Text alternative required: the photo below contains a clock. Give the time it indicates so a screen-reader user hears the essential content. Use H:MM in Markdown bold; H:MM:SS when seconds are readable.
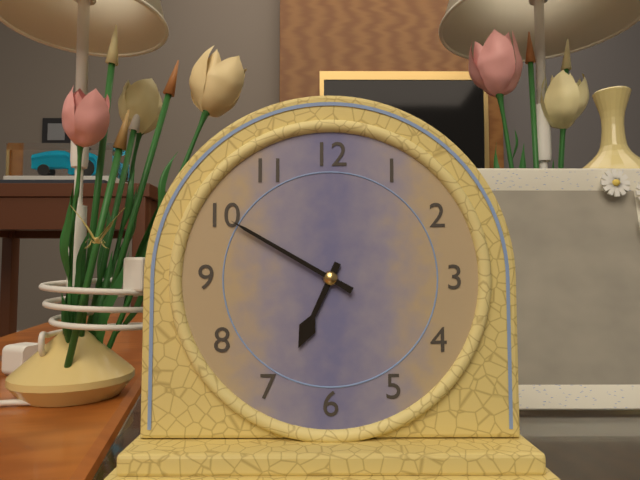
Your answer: **6:50**
